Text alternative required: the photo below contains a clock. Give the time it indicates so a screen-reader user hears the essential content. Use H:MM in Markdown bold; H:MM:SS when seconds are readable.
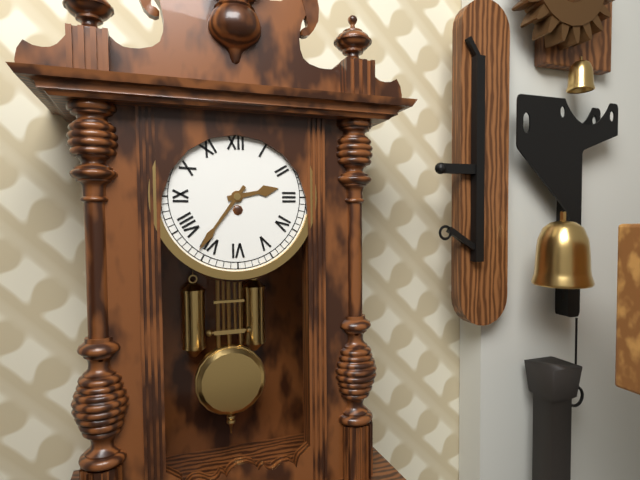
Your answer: **2:36**
